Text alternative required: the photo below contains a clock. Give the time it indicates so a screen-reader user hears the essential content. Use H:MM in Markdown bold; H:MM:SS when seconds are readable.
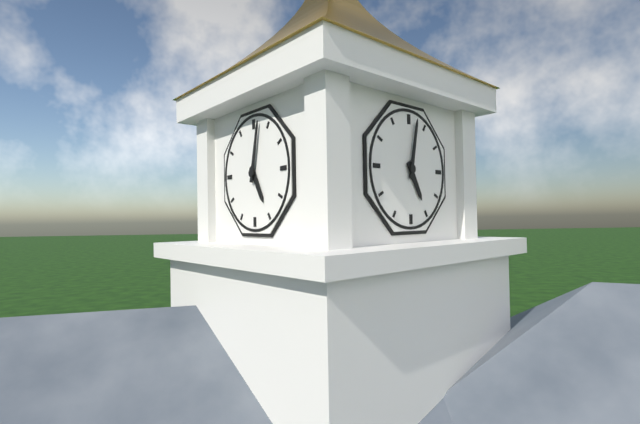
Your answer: **5:02**
